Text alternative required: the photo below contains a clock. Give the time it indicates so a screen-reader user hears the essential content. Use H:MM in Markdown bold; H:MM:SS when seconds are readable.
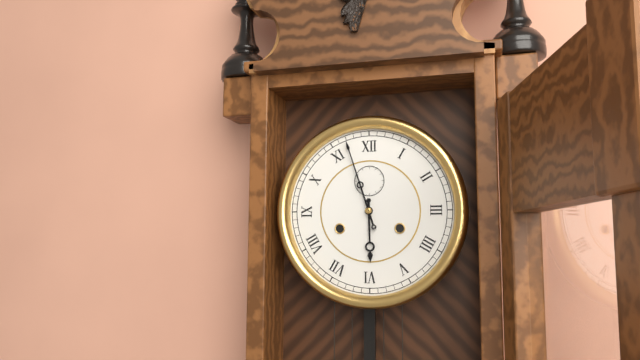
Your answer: **5:57**
